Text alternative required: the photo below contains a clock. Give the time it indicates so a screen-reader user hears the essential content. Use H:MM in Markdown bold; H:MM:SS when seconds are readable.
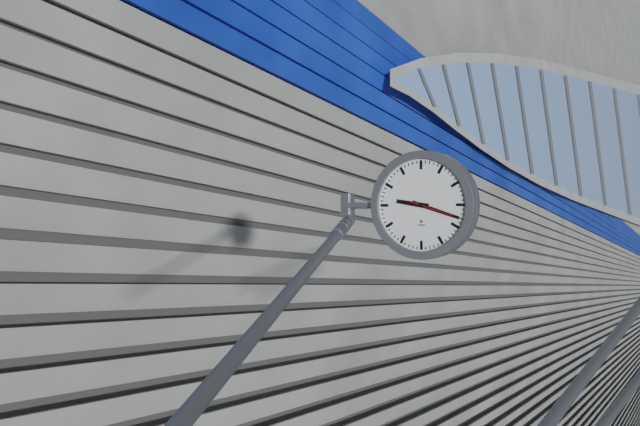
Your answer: **9:18**
